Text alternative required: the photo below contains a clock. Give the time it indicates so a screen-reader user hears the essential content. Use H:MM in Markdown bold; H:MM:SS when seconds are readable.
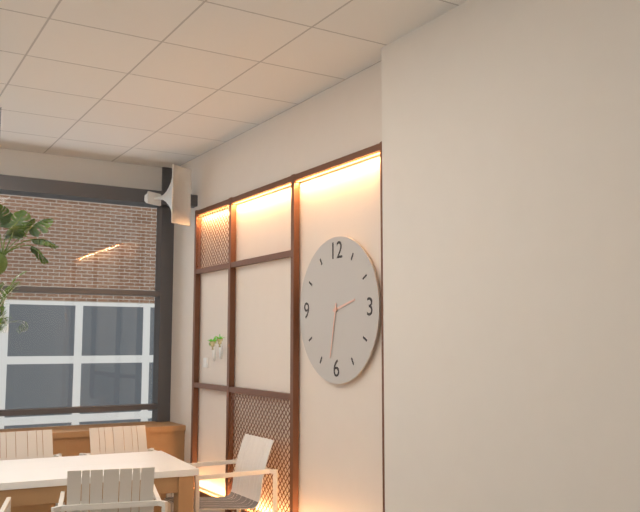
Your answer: **2:32**
